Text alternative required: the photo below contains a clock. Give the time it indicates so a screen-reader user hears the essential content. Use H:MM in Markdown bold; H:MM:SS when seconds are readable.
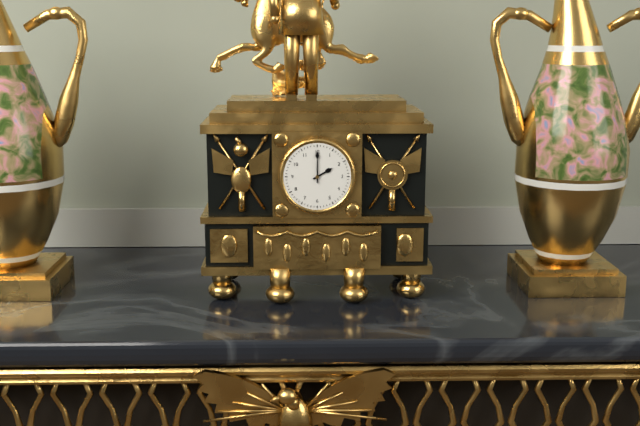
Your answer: **2:00**
